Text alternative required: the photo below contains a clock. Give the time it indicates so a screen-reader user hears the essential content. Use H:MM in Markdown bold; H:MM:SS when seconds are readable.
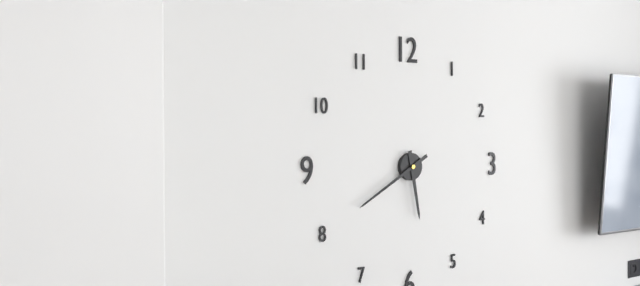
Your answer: **5:40**
